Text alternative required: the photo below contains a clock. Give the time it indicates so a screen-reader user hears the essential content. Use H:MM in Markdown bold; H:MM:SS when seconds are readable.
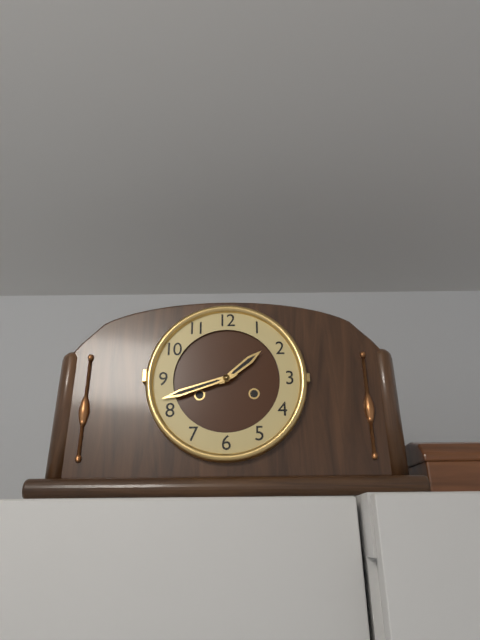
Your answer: **1:42**
